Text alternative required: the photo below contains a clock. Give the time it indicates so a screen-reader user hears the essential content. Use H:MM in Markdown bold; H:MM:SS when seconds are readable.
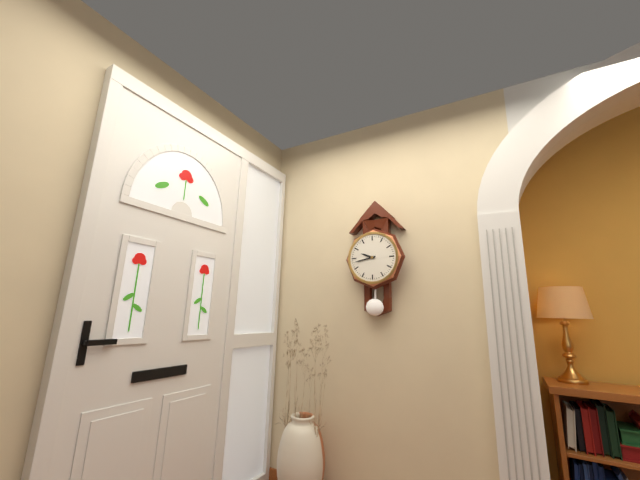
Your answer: **9:43**
